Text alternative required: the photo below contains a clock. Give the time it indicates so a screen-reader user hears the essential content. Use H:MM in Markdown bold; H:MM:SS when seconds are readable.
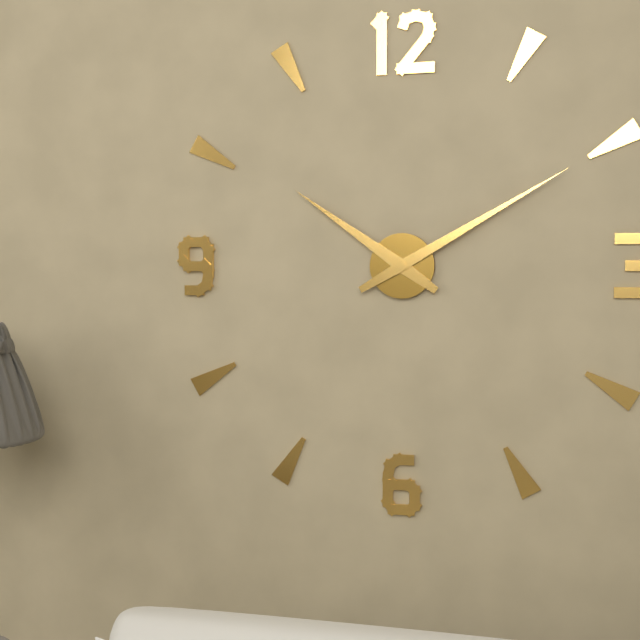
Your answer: **10:10**
